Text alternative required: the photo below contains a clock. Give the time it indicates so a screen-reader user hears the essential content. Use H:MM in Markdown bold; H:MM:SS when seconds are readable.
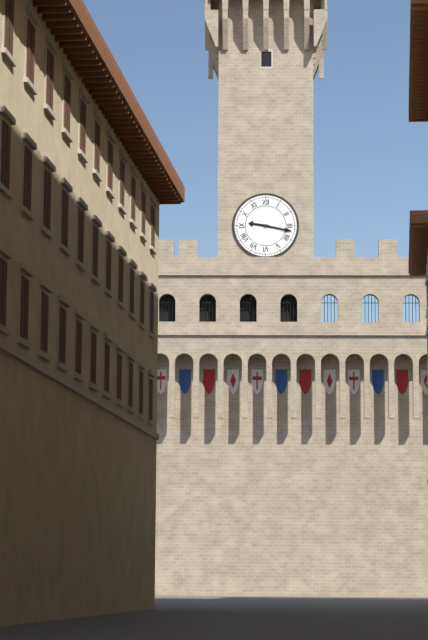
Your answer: **9:17**
